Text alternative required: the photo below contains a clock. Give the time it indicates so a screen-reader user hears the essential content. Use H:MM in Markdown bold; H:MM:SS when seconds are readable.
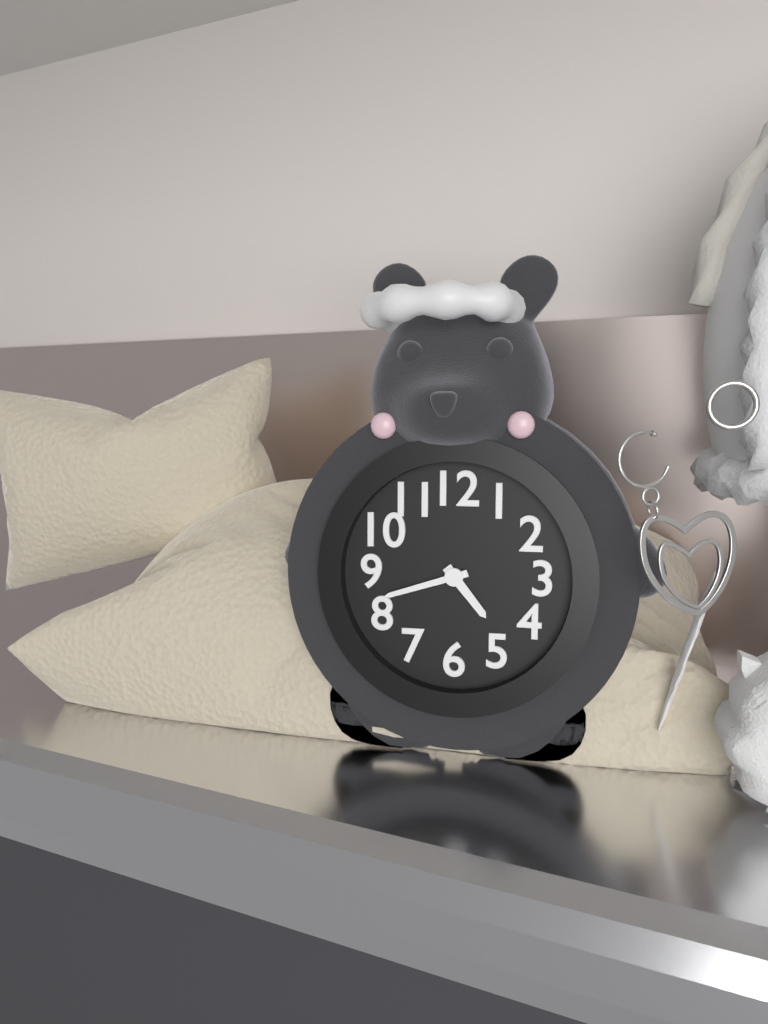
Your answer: **4:42**
